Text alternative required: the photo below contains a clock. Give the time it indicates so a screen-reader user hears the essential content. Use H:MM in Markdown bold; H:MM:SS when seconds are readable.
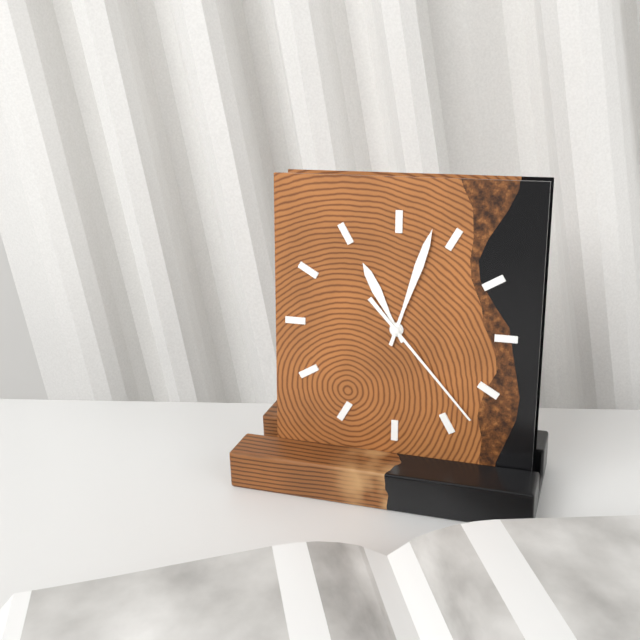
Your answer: **11:03:23**
